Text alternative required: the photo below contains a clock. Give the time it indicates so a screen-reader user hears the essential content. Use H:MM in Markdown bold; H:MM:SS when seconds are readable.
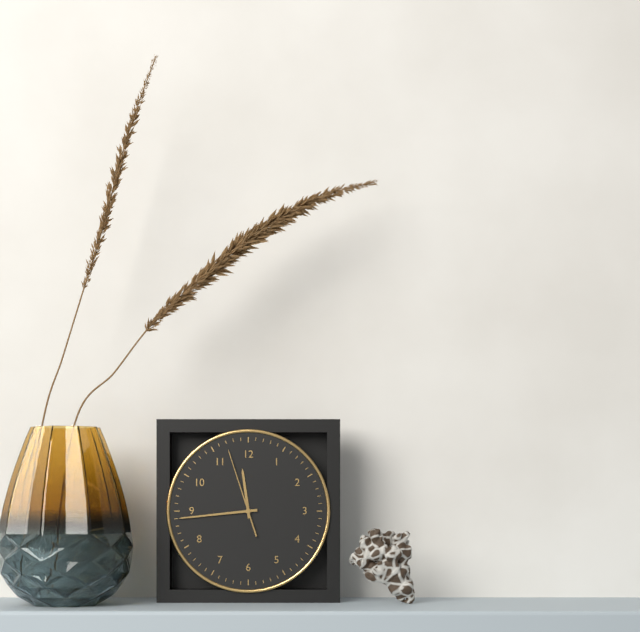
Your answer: **11:44:57**
